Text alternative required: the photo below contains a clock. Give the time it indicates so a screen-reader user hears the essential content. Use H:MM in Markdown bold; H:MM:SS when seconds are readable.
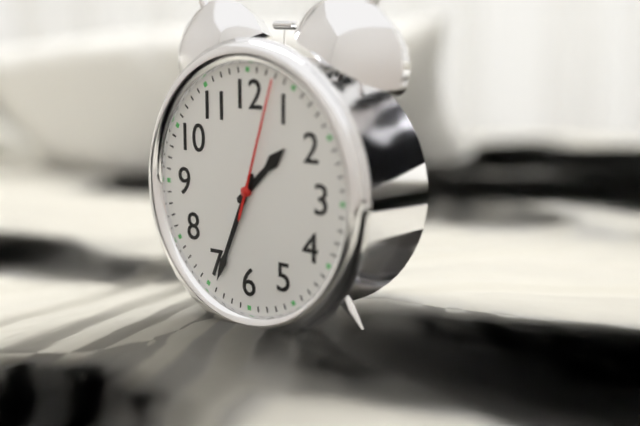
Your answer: **1:34:03**
